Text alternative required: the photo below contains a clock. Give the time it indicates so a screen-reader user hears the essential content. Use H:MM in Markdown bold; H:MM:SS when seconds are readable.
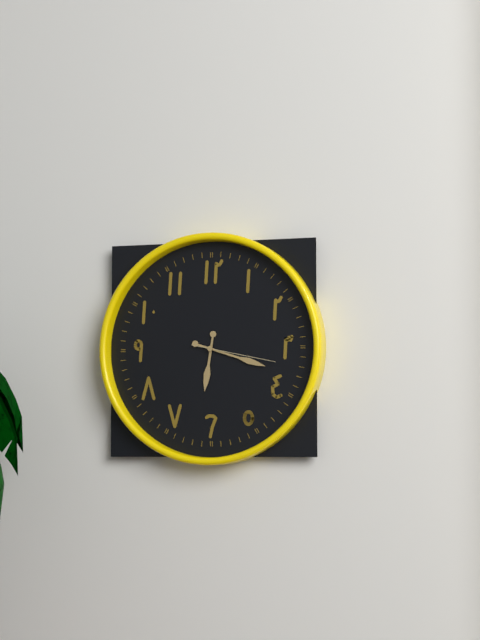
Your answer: **6:18:17**
